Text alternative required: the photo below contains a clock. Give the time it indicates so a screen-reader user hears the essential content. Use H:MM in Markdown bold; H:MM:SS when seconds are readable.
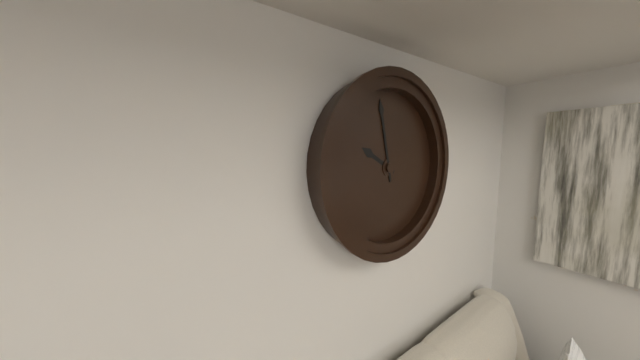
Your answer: **9:58**
